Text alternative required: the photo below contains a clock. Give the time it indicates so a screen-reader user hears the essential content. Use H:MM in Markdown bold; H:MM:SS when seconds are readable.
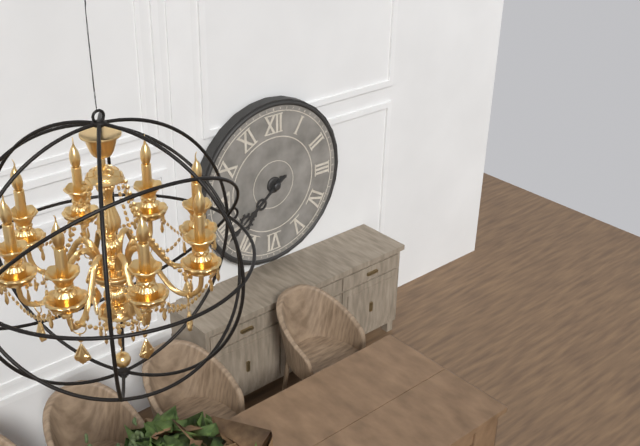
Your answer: **7:39**
